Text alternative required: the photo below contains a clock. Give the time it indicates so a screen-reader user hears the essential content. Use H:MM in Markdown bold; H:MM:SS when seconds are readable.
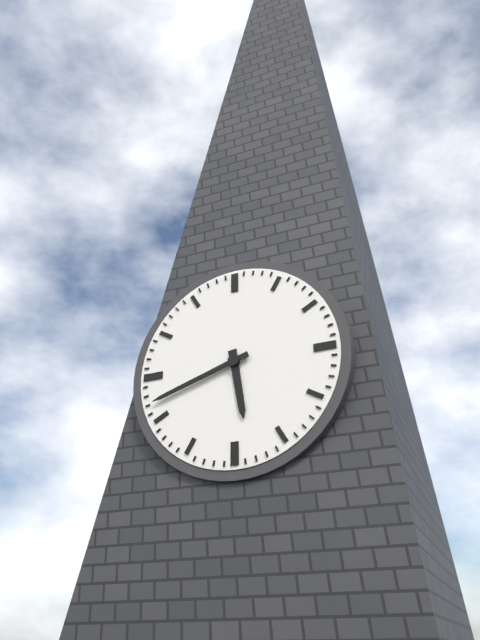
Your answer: **5:42**
